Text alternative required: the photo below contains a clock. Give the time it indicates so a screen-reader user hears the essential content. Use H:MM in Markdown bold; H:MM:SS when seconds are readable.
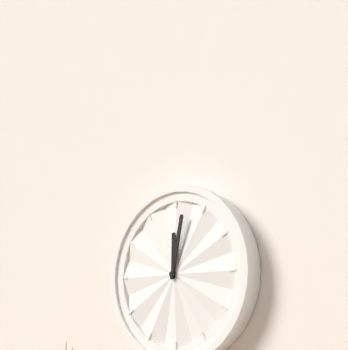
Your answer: **12:02**
